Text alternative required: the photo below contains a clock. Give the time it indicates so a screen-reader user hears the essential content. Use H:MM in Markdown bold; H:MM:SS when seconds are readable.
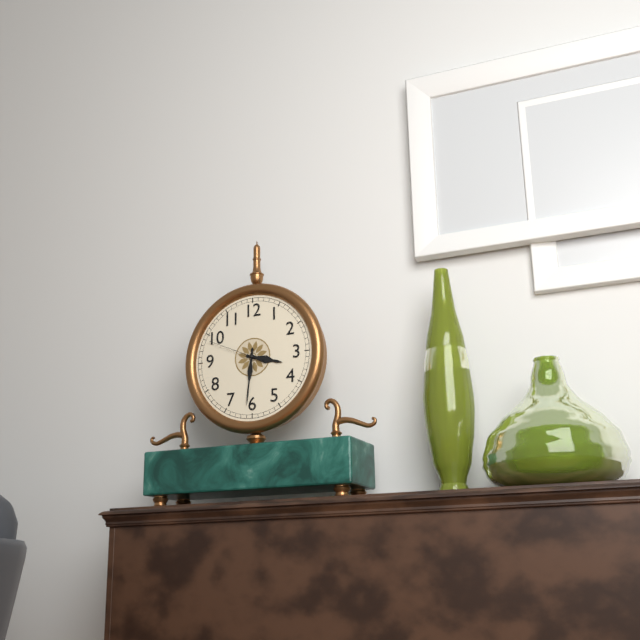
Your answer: **3:31:49**
